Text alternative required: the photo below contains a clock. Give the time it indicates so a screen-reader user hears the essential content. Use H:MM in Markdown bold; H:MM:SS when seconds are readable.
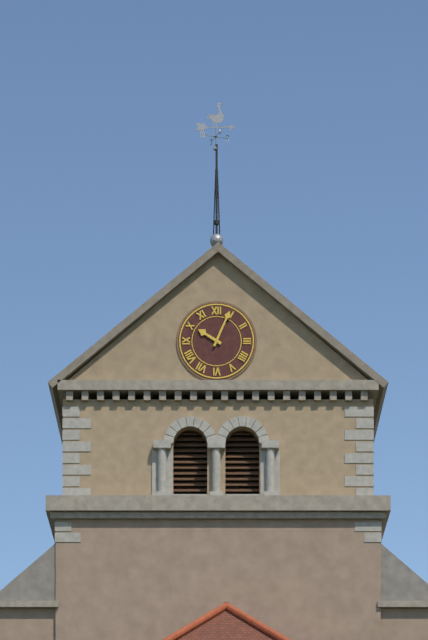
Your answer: **10:04**
